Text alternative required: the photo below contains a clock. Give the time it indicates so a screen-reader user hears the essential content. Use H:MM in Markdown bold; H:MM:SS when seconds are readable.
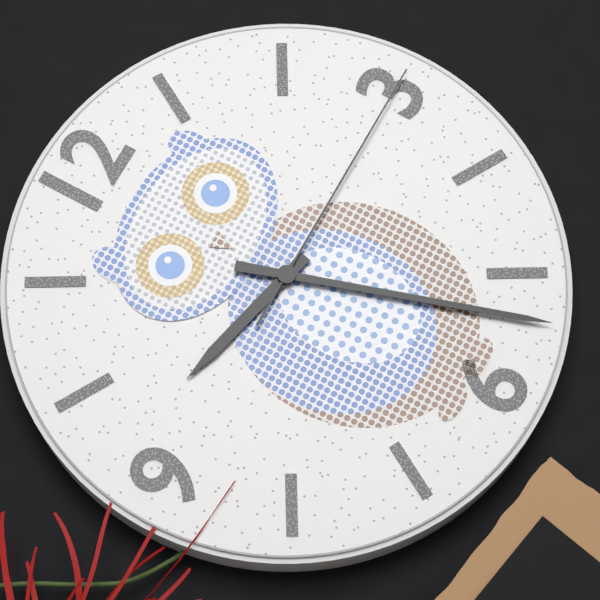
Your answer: **9:27:15**
